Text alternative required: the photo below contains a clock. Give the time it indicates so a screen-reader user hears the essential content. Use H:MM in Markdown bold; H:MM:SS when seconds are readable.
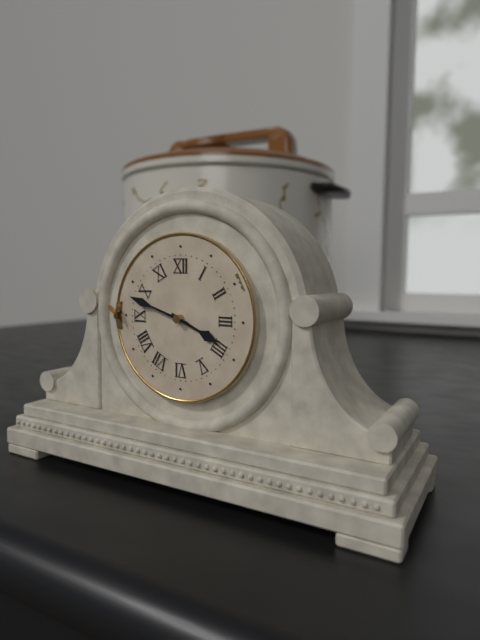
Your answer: **3:48**
